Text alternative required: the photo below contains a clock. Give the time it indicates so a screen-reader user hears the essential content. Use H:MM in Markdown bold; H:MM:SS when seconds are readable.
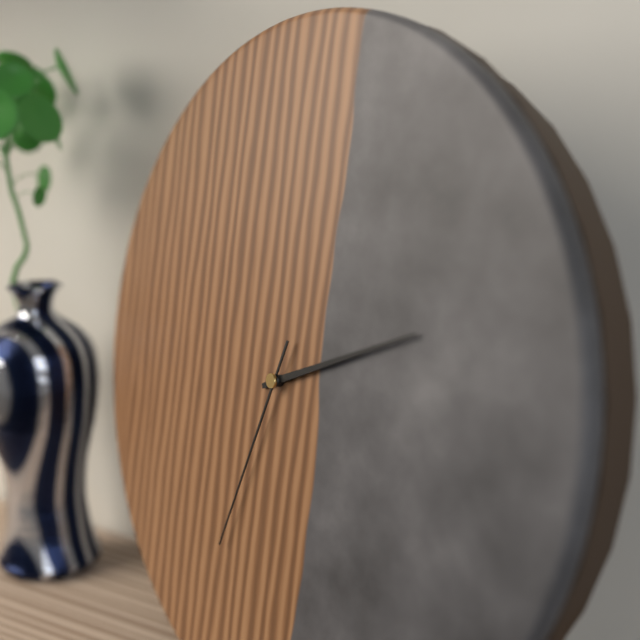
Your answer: **2:11:33**
